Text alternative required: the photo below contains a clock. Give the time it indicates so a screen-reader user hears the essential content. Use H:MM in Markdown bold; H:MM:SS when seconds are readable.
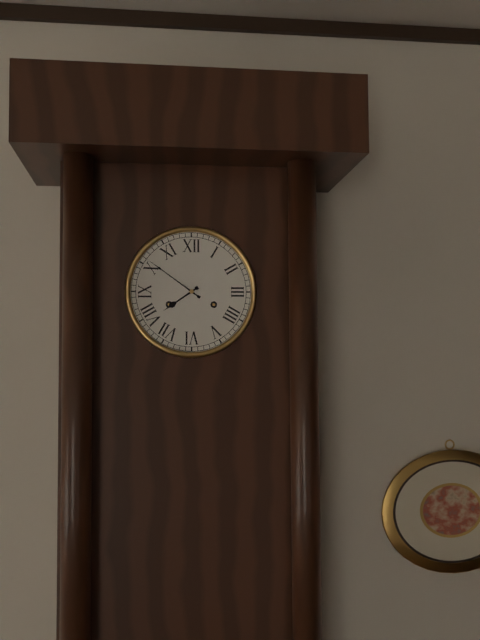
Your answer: **7:51**
